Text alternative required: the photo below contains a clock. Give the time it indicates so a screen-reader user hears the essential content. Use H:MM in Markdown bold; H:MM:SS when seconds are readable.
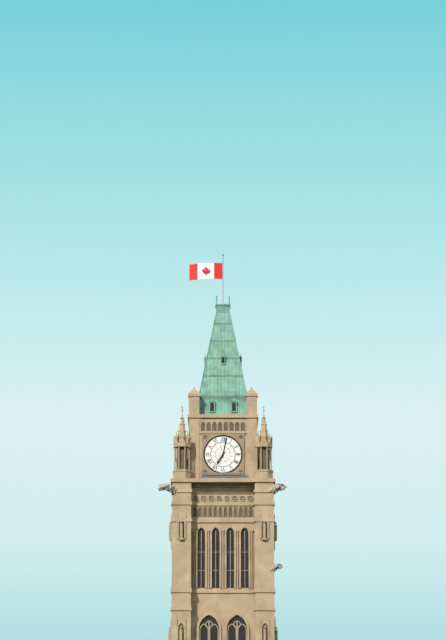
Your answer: **7:02**
